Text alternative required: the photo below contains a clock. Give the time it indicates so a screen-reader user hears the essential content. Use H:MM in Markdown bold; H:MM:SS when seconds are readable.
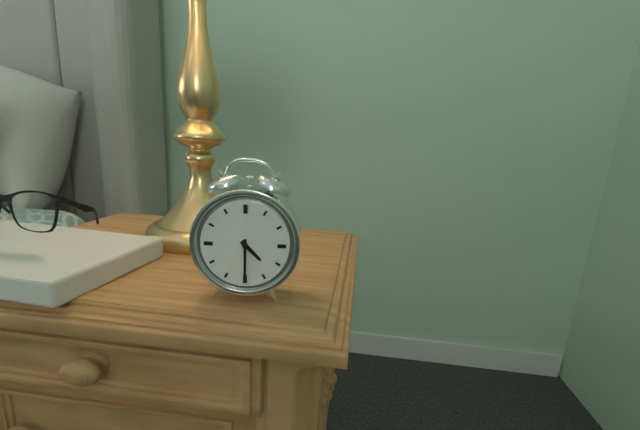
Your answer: **4:30**
